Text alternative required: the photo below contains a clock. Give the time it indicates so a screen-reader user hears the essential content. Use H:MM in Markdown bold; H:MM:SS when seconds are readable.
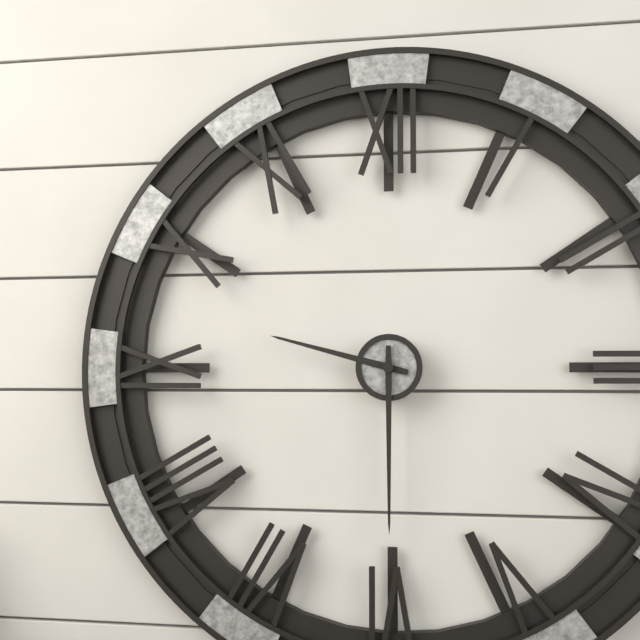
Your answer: **9:30**
